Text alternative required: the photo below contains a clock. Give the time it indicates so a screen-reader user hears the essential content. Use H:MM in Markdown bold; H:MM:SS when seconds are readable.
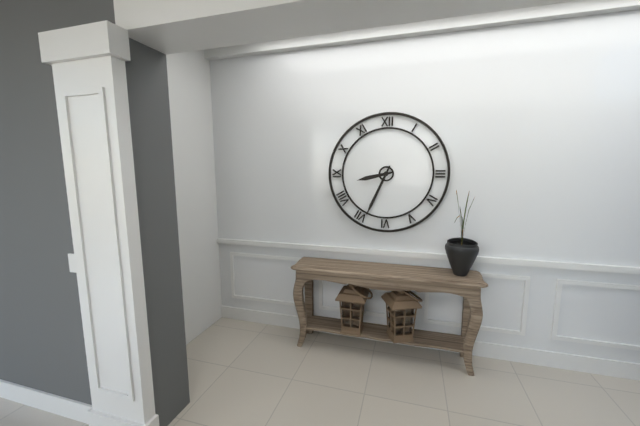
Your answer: **8:34**
